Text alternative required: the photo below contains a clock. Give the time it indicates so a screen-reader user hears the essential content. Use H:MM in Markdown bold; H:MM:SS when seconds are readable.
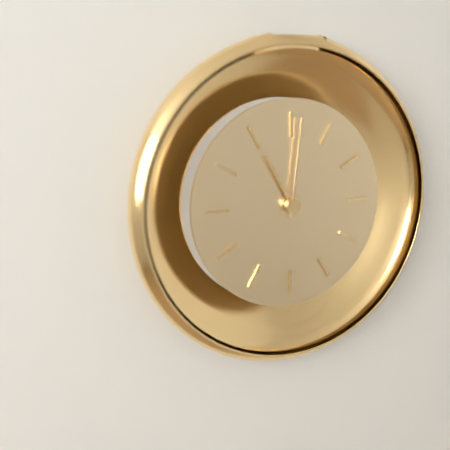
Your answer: **11:01**
